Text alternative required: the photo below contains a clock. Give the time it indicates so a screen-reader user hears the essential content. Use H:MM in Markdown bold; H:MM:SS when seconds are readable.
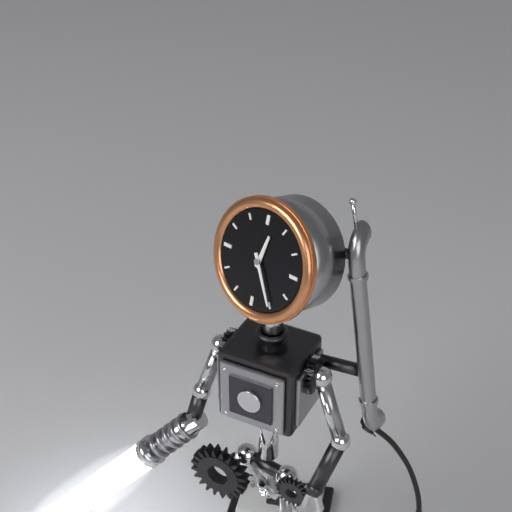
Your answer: **12:25**
